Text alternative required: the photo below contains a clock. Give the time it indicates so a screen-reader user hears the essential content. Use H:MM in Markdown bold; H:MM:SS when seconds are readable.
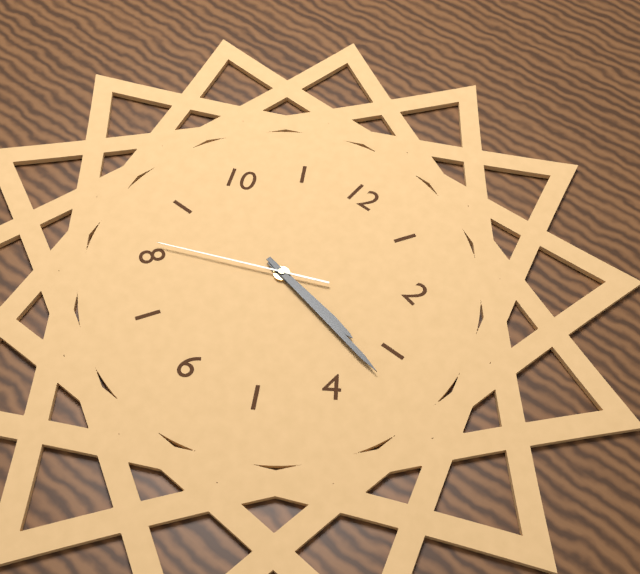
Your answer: **3:17:41**
